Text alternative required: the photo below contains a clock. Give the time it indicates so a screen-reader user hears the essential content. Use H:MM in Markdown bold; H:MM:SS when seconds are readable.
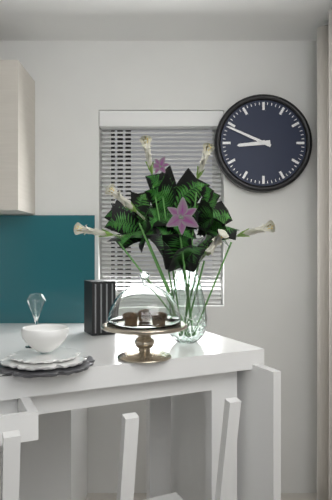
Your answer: **8:49**
